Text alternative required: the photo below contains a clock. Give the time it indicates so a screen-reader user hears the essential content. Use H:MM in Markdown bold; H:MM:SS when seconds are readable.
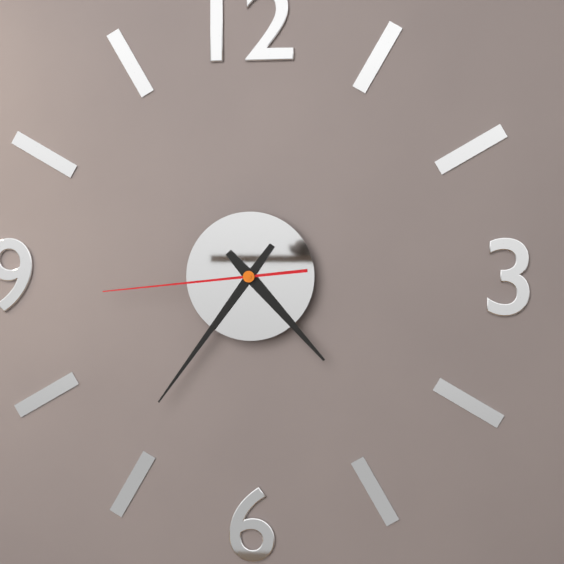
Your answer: **4:36:44**
